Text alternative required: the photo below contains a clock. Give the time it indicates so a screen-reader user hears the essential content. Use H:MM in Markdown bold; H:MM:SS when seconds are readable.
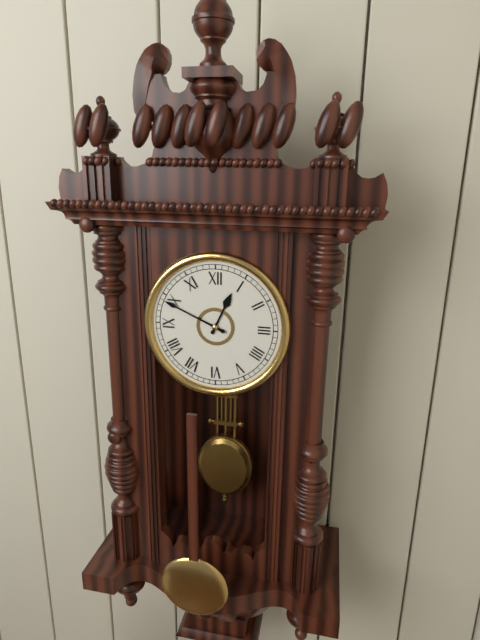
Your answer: **12:49**
